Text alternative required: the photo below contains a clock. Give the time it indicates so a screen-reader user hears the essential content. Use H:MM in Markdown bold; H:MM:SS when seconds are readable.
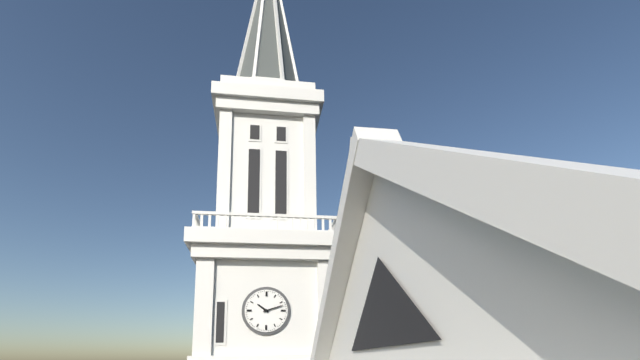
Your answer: **10:12**
